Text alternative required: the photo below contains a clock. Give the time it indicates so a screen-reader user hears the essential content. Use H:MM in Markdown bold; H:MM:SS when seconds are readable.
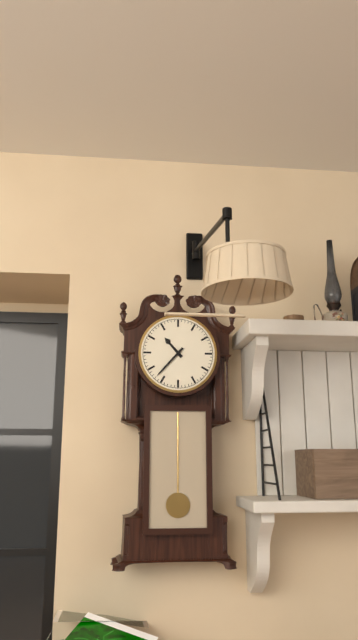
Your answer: **10:37**
